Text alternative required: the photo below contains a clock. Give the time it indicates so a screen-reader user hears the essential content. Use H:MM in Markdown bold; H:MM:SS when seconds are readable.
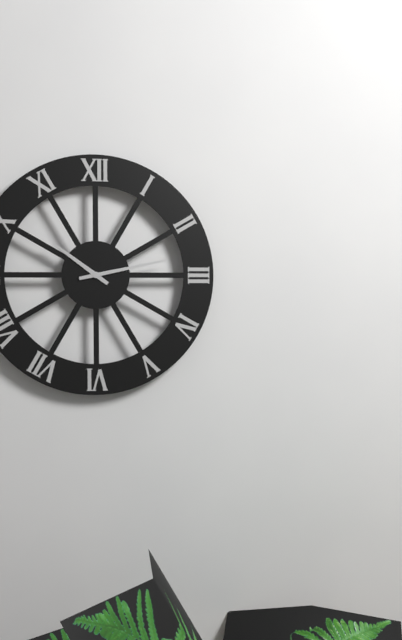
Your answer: **10:13**
